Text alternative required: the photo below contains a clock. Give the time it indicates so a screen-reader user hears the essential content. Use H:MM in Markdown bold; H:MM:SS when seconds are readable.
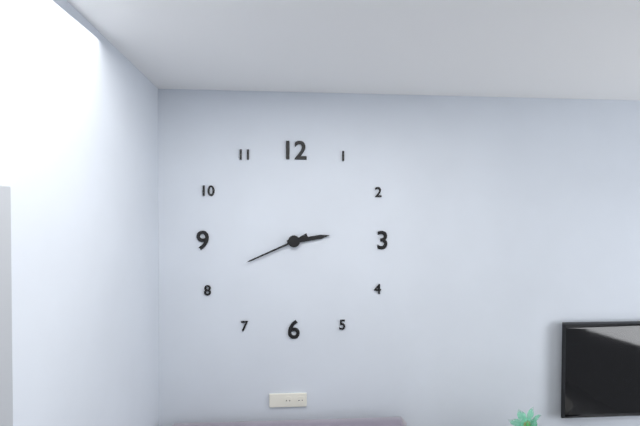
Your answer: **2:41**
